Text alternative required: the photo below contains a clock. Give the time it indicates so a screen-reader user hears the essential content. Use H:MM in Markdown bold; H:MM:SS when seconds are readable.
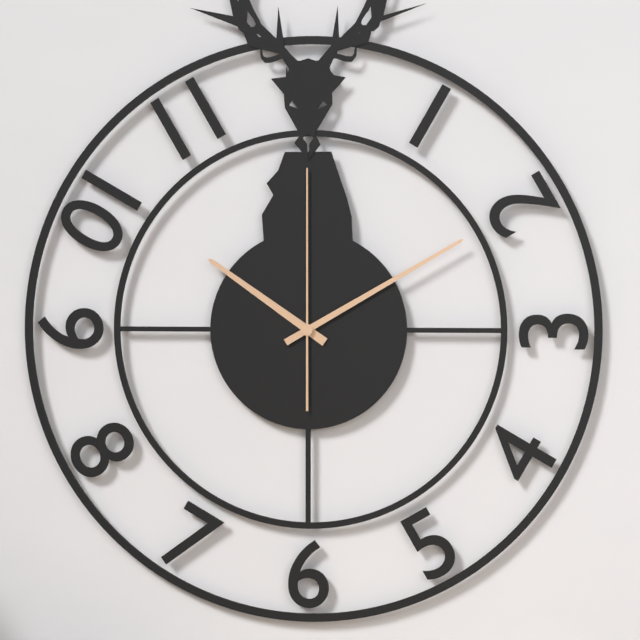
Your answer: **10:10:00**
